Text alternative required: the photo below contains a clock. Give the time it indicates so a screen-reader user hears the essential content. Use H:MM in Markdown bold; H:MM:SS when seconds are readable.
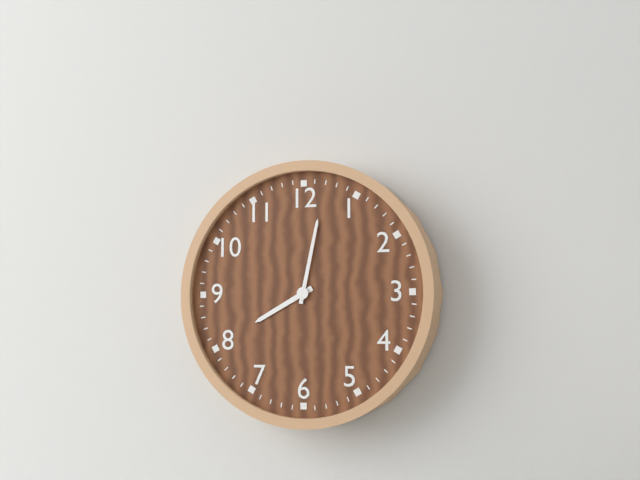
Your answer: **8:02**
